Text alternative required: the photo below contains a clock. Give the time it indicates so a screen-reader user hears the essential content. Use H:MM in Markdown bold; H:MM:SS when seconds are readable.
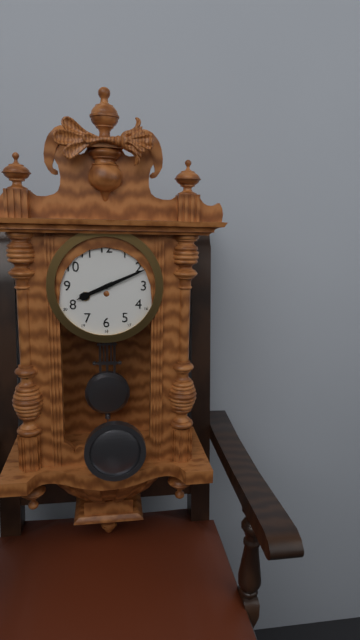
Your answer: **8:11**
